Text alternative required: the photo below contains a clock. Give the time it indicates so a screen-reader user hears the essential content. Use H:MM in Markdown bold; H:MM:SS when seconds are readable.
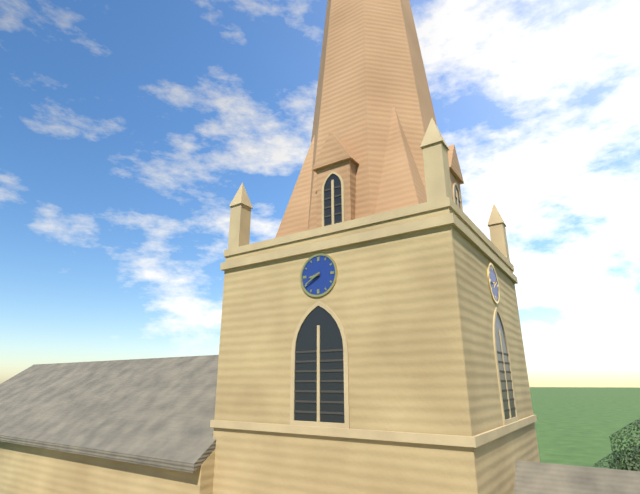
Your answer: **8:40**
